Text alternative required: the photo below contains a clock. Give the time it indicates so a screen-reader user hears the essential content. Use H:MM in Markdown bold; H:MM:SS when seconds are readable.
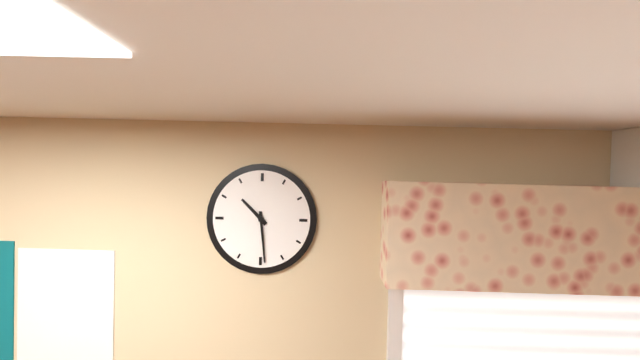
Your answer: **10:29**
